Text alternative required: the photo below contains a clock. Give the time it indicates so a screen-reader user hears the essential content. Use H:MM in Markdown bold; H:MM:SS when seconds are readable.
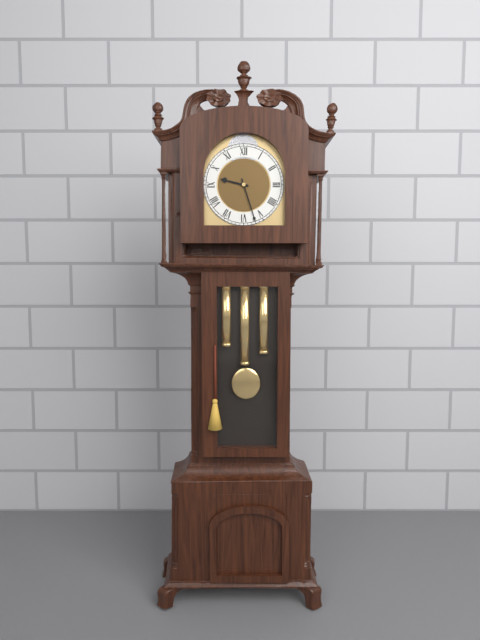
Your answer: **9:27**
